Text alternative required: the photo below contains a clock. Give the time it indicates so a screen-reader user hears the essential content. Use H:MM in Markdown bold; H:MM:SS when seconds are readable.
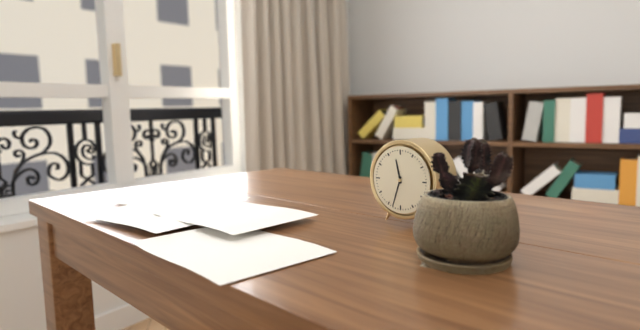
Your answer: **11:33**
